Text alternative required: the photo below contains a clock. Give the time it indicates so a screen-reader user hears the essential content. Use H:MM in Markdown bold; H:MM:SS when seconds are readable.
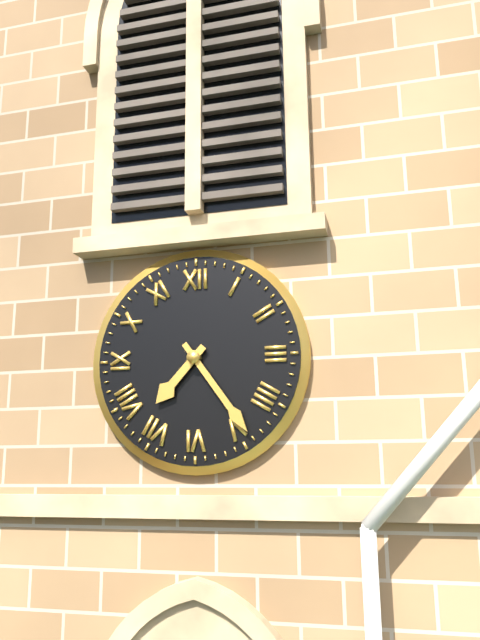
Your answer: **7:24**
